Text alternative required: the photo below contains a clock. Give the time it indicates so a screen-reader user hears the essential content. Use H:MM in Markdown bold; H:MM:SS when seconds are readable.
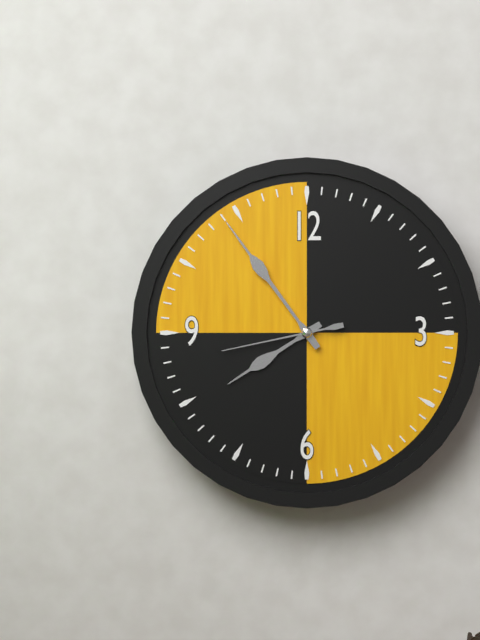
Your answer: **7:54:43**
